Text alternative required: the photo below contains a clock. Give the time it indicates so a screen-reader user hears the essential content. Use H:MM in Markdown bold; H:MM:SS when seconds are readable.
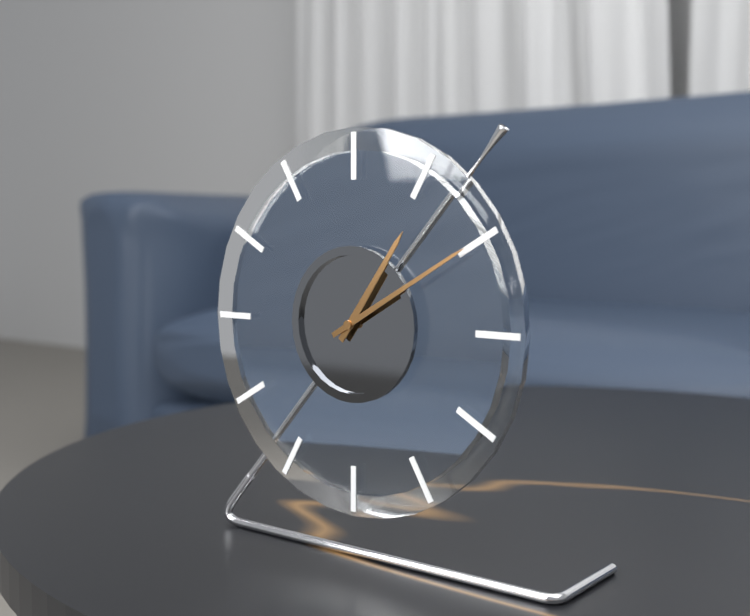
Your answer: **1:10**
